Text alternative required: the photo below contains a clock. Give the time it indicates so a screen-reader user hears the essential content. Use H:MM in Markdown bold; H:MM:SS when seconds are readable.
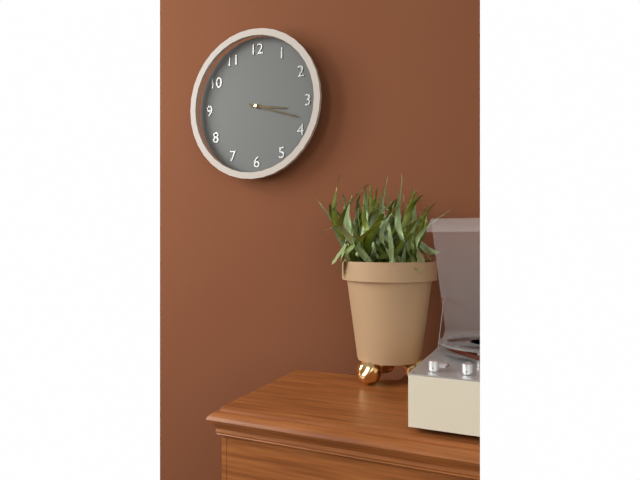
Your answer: **3:18**
